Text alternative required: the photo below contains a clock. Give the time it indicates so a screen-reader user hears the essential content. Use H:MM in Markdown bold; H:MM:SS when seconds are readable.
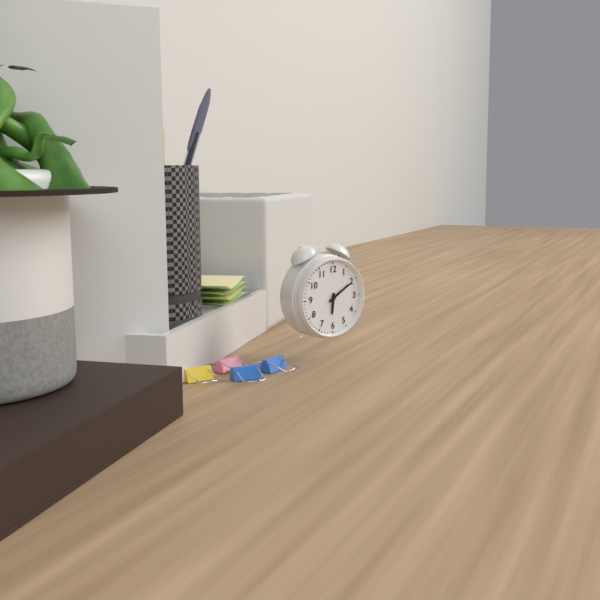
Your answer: **6:10**
